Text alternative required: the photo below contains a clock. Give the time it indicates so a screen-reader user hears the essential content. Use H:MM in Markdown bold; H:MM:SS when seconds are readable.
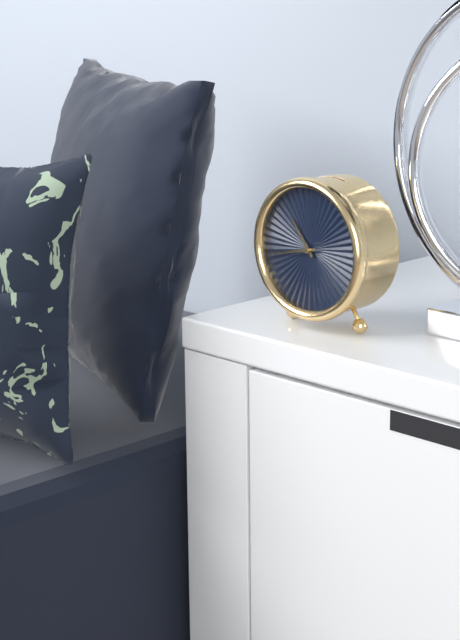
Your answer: **10:43**
